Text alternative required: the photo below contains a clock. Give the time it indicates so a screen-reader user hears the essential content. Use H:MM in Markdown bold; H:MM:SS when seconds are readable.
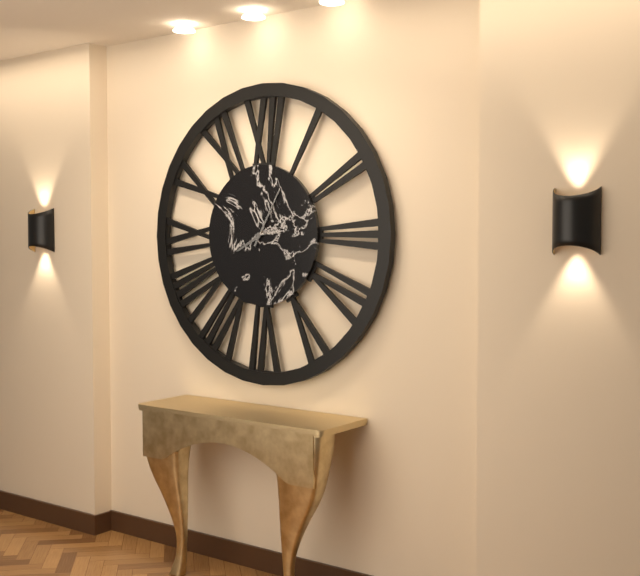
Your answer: **8:05**
